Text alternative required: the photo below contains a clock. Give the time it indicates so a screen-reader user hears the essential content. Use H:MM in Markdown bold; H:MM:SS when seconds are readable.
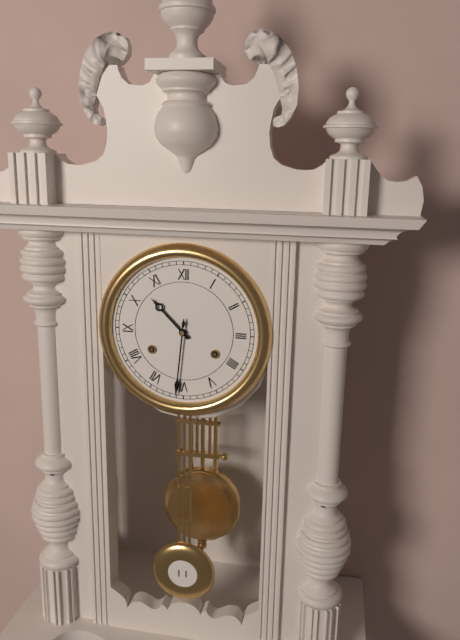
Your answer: **10:31**
